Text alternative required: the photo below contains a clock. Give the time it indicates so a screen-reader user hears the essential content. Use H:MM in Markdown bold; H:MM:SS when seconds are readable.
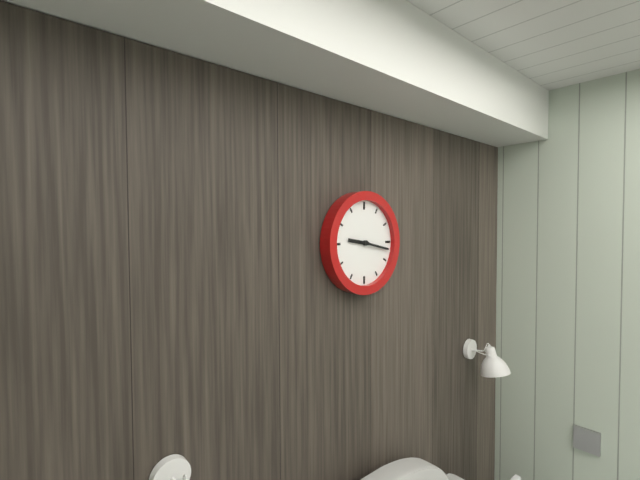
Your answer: **9:17**
